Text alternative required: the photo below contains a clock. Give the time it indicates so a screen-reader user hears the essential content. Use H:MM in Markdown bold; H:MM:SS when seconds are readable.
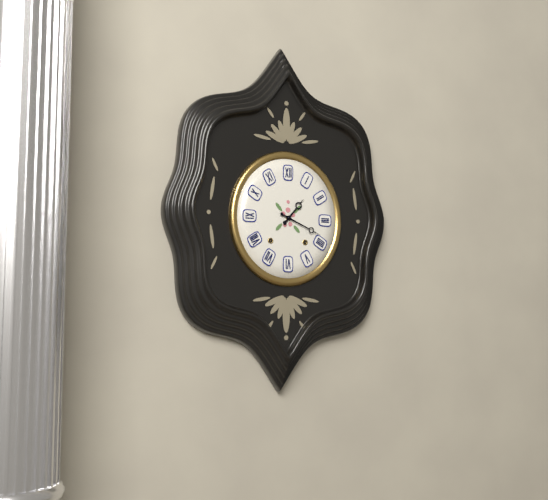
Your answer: **1:19**
